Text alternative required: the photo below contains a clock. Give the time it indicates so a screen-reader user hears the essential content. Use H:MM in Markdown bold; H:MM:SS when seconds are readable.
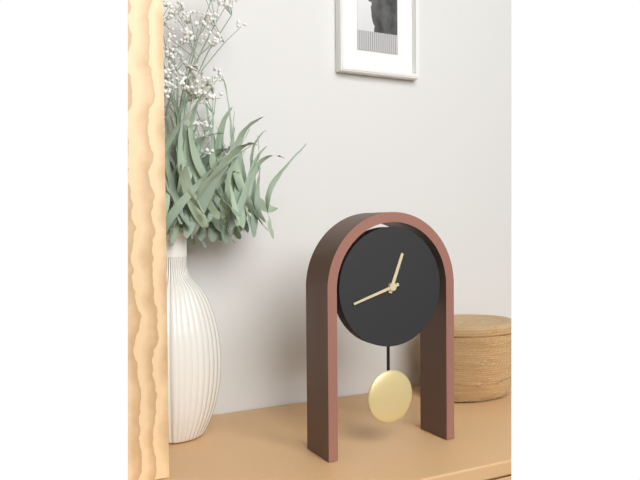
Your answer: **12:42**
